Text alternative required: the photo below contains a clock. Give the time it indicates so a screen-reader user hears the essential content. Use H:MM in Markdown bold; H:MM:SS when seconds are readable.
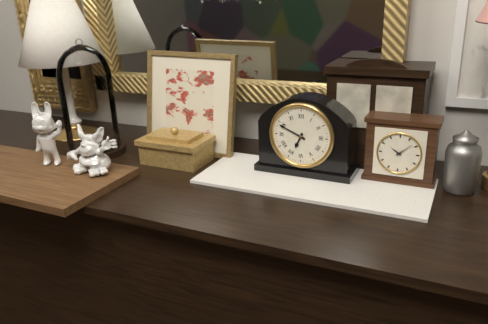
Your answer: **6:49**
